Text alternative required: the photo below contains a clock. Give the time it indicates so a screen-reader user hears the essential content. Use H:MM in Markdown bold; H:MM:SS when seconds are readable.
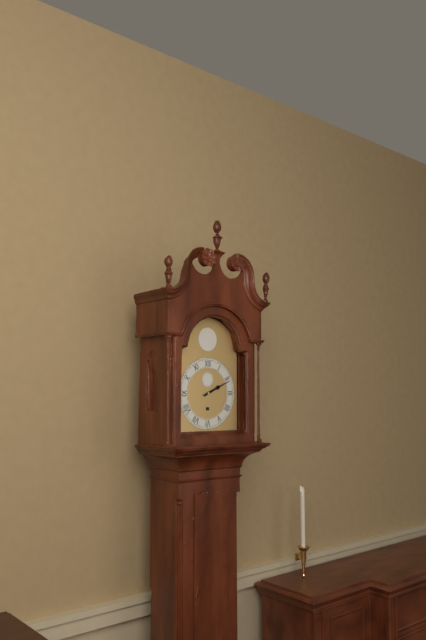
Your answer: **2:11**
